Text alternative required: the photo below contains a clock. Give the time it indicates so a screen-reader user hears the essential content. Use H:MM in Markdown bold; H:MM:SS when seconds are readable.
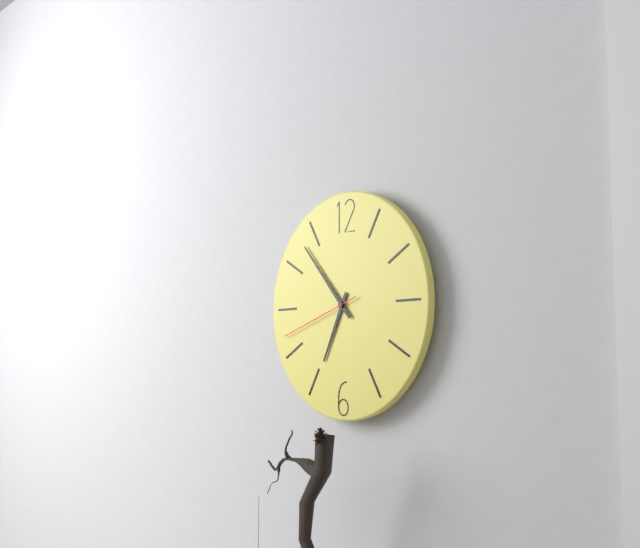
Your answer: **6:53:42**
